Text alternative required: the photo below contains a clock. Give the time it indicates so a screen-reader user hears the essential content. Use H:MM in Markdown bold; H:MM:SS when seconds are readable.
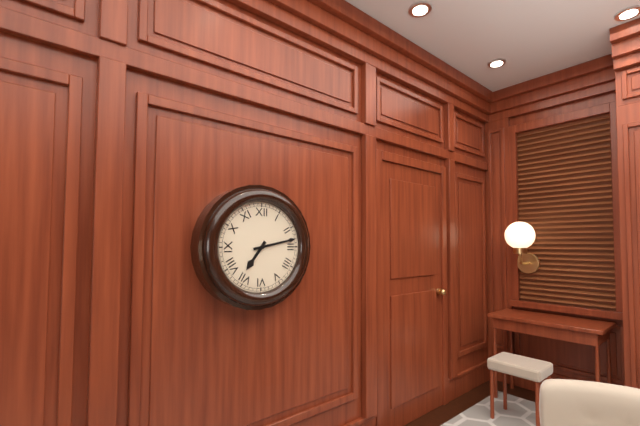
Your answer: **7:13**
